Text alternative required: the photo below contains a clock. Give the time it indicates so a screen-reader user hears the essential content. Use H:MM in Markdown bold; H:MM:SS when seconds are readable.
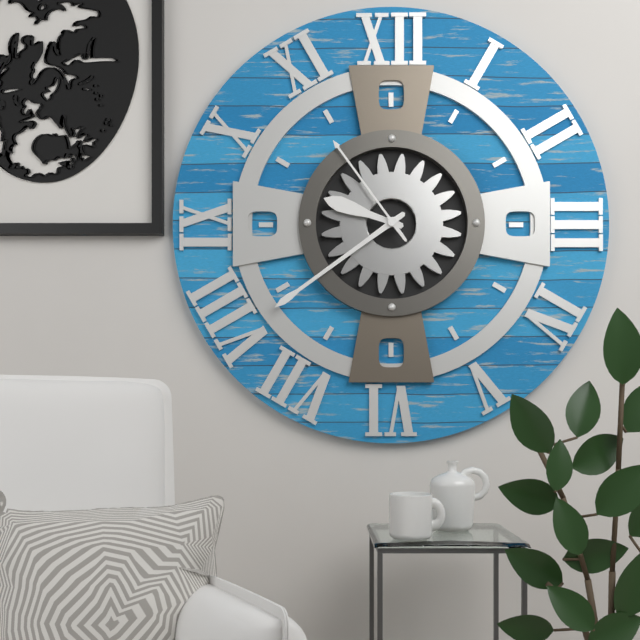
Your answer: **9:39:54**
